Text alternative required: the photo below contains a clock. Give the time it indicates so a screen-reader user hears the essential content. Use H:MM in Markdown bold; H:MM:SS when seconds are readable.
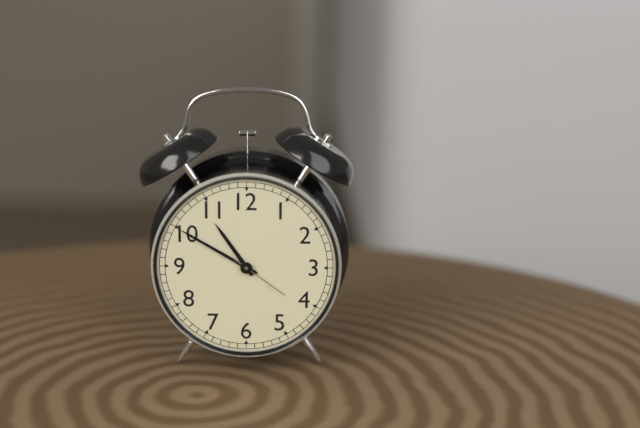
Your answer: **10:50:21**
